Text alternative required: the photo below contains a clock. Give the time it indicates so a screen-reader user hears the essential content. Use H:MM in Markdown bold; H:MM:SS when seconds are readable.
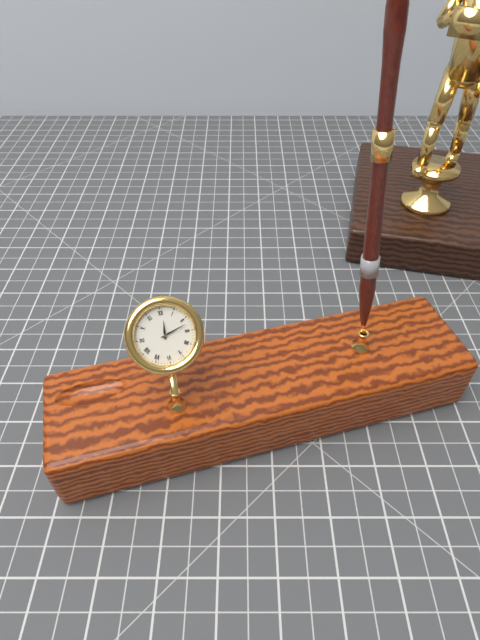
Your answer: **12:12**
